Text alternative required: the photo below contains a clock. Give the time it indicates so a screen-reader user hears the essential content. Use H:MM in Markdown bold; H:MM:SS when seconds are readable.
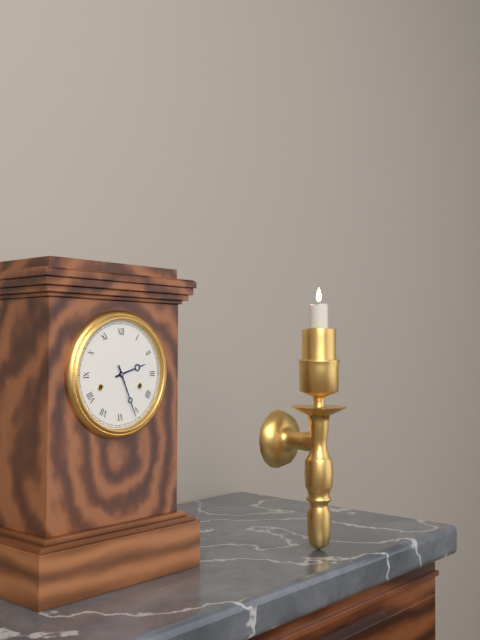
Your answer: **2:26**
